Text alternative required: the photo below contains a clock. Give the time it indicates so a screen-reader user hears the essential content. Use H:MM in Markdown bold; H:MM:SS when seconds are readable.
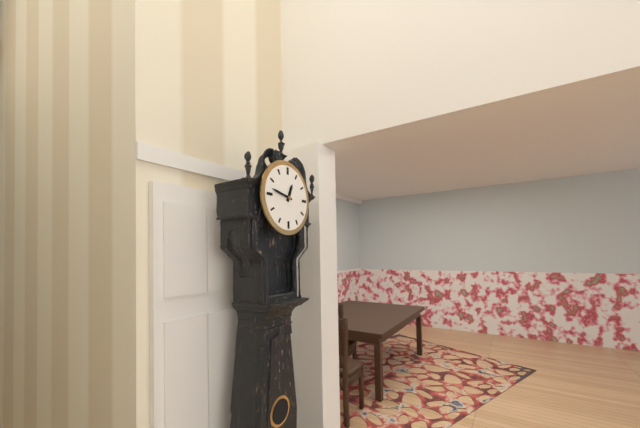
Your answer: **12:47**
